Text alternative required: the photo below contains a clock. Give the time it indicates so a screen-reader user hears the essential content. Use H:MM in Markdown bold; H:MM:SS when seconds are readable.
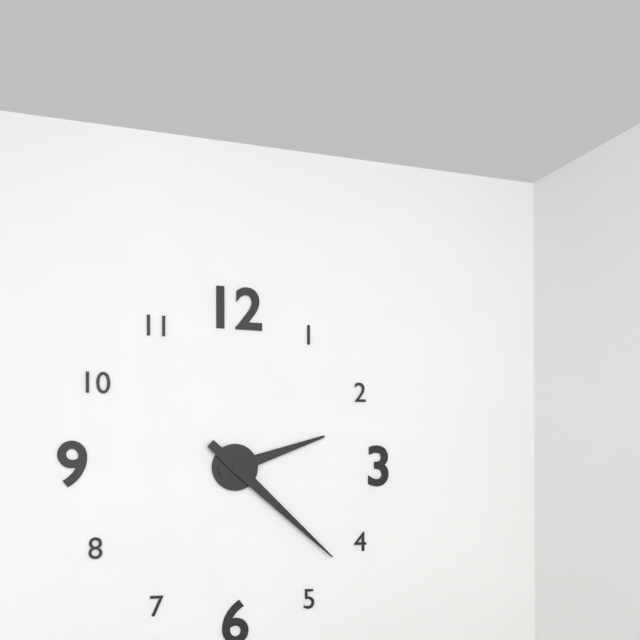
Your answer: **2:22**
